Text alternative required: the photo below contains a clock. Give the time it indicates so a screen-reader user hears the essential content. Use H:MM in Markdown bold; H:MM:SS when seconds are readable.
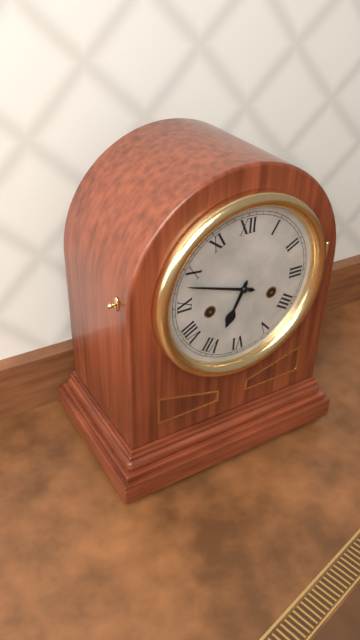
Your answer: **6:48**
